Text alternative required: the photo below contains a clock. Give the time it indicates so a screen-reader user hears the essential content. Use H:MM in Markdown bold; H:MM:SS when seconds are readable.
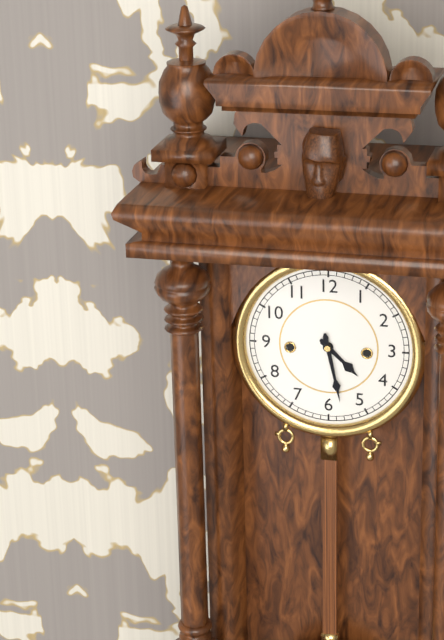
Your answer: **4:28**
